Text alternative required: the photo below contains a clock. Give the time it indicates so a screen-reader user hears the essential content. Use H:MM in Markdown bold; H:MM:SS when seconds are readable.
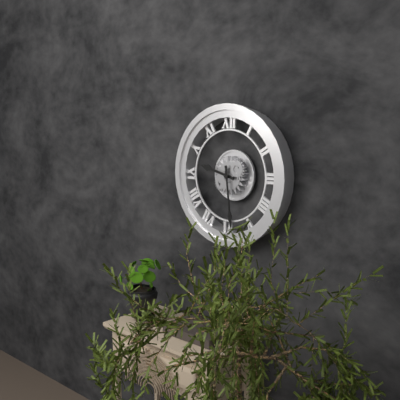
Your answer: **9:29**
